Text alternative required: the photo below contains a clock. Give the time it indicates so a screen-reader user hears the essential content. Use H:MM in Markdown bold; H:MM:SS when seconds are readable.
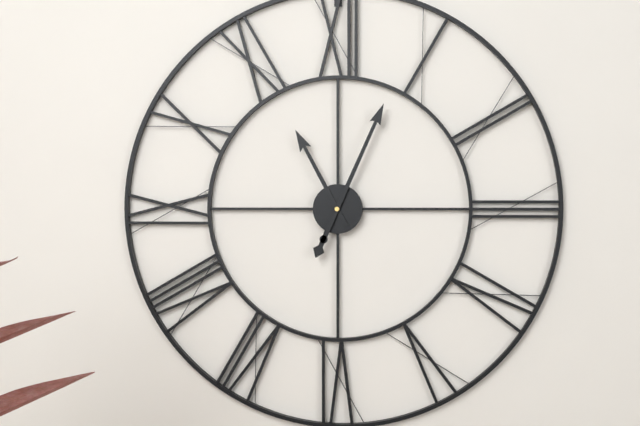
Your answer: **11:04**
